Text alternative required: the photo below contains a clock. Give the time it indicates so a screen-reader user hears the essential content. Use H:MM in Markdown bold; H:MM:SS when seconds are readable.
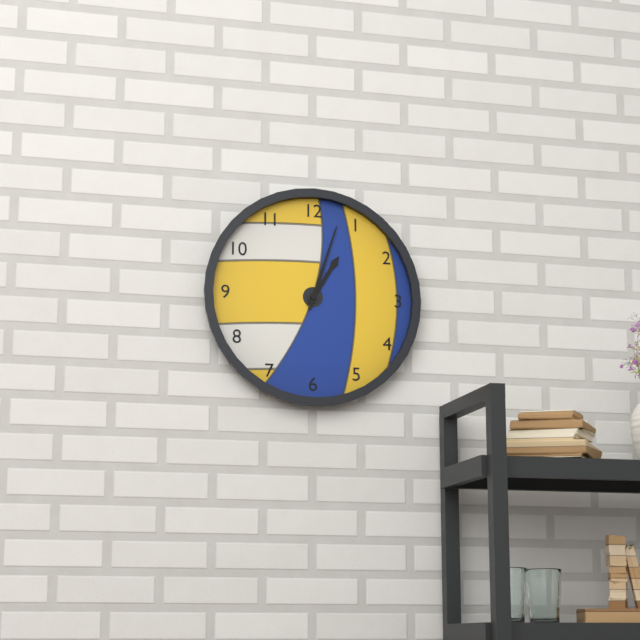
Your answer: **1:03**
